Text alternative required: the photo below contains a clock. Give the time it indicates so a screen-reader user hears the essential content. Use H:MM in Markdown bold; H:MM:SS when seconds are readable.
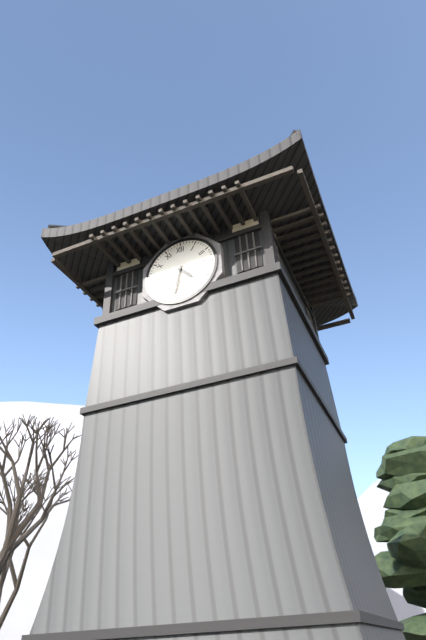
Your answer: **4:32**
